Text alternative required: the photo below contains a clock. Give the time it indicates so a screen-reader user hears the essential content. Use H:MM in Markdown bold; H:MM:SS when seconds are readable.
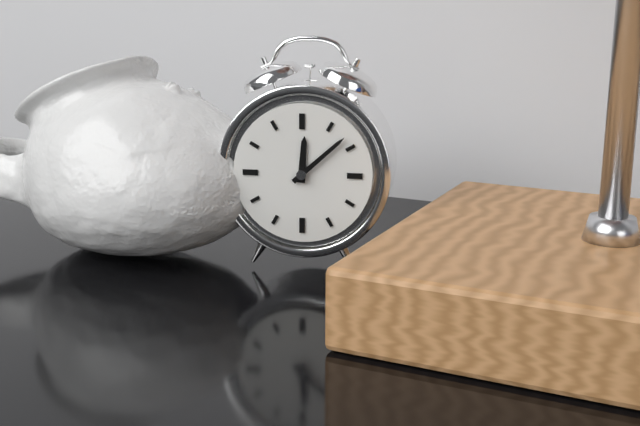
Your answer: **12:08**
